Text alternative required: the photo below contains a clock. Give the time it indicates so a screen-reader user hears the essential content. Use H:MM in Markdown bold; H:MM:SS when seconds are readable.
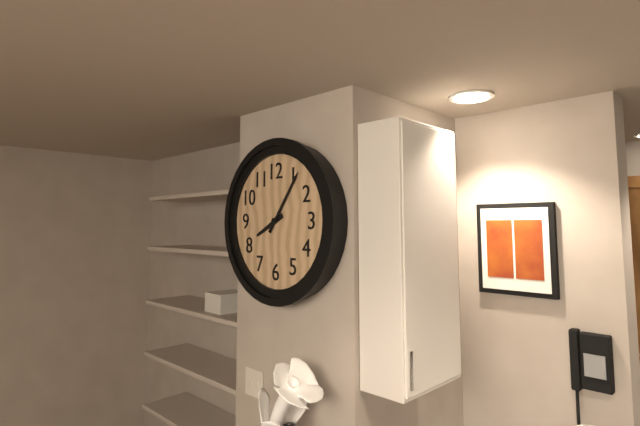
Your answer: **8:06**
